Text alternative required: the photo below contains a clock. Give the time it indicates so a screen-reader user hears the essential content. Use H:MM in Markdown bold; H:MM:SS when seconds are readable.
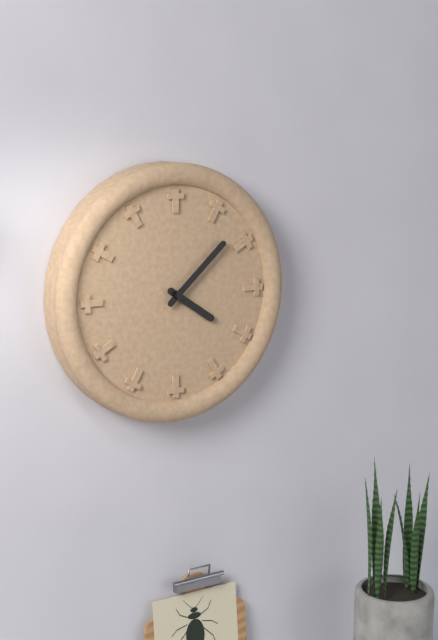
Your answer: **4:08**
